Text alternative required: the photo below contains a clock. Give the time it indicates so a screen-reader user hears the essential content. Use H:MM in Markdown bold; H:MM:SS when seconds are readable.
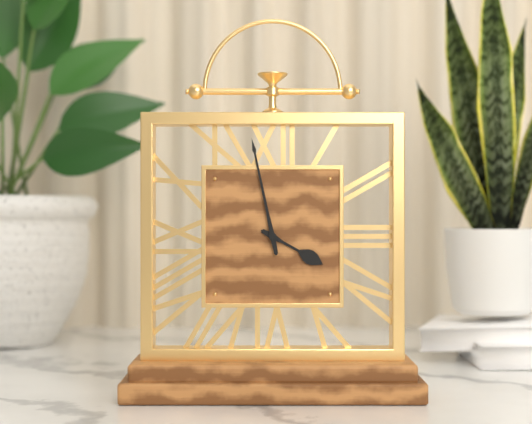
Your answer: **3:58**
